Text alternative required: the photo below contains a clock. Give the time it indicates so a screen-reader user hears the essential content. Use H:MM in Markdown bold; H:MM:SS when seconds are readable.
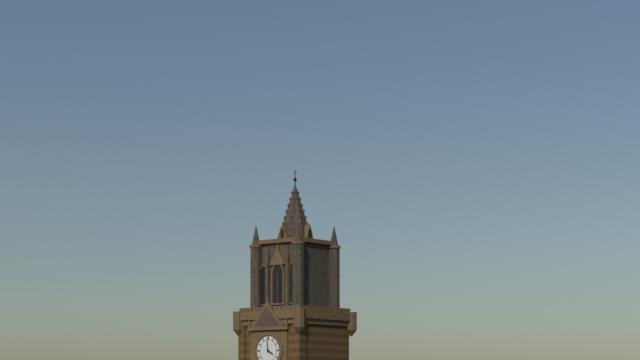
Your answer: **3:59**
